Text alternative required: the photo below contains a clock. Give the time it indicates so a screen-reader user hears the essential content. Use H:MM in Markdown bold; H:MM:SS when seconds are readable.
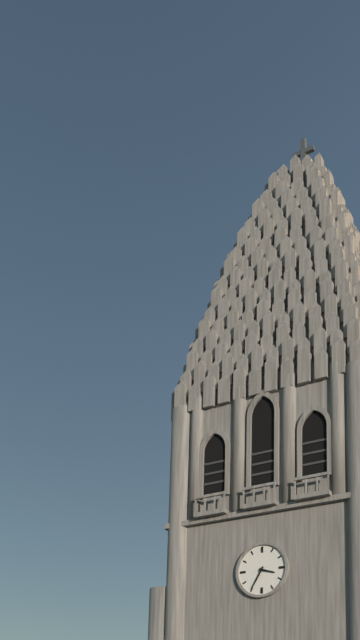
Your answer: **3:35**
